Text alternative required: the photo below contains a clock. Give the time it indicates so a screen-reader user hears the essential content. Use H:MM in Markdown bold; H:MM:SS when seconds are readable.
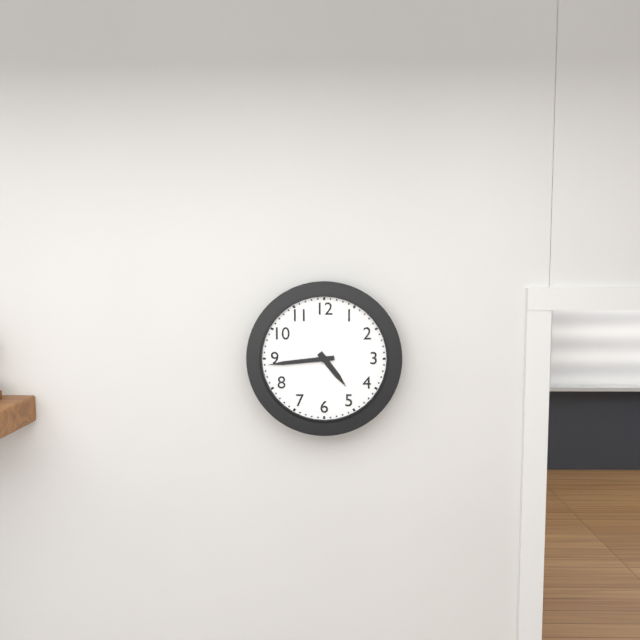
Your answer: **4:44**
